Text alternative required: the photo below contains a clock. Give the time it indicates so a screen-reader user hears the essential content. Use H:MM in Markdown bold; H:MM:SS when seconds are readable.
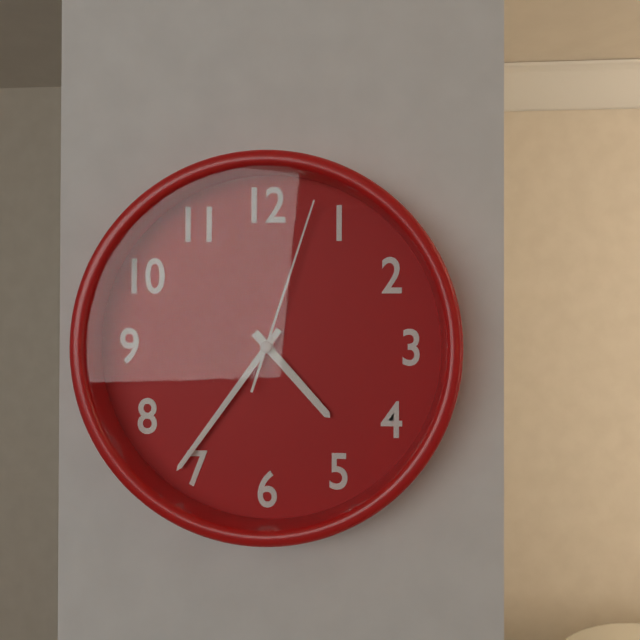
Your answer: **4:36:03**
